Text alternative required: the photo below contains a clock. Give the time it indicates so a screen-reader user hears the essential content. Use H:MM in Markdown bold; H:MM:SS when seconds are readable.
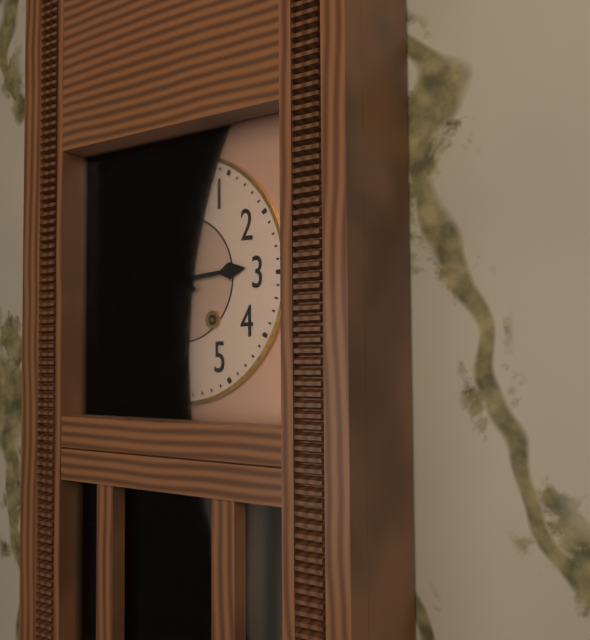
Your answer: **2:51**
